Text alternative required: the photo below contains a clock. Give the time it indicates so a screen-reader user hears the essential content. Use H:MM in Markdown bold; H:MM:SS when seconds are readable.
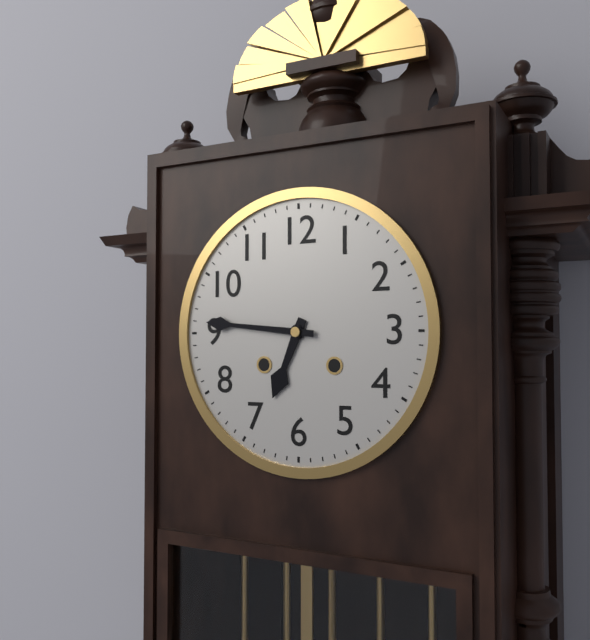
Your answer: **6:46**
